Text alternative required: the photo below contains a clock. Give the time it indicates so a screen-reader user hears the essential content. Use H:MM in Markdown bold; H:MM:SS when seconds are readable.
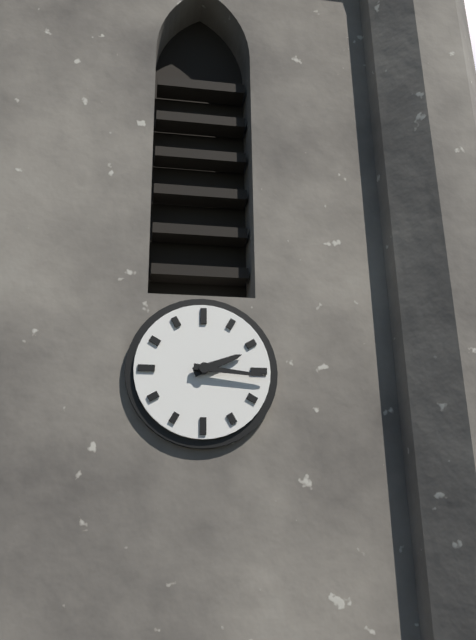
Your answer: **2:16**
